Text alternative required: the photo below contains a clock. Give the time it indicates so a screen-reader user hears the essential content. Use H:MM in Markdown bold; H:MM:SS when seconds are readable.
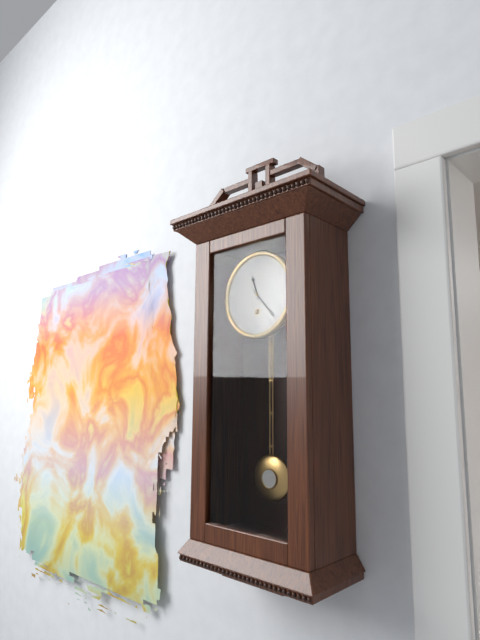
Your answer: **11:23**
